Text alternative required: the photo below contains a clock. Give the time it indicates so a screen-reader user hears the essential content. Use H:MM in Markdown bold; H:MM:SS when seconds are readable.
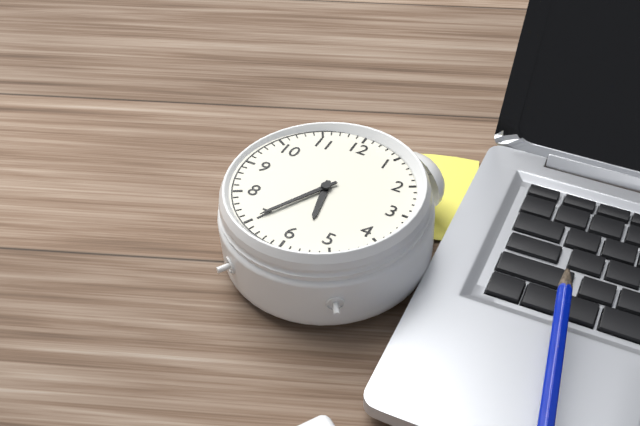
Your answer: **5:35**
